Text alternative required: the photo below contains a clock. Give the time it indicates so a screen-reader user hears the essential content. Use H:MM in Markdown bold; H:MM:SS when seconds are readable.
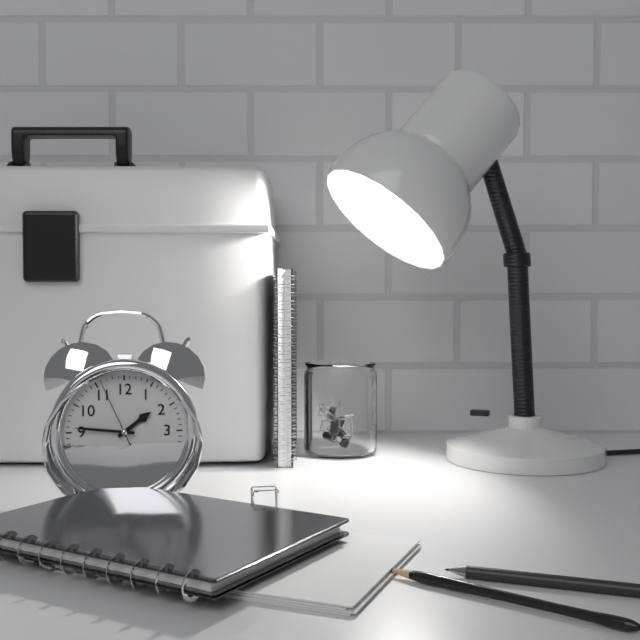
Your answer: **1:46:56**
